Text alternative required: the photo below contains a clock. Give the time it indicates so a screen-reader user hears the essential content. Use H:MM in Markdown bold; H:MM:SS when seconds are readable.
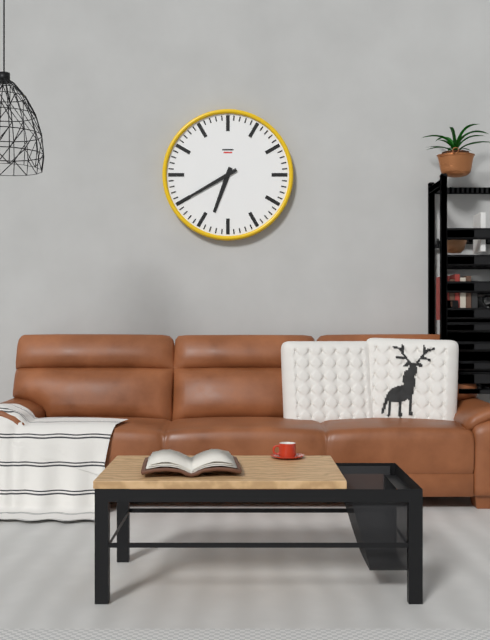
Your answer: **6:40**
